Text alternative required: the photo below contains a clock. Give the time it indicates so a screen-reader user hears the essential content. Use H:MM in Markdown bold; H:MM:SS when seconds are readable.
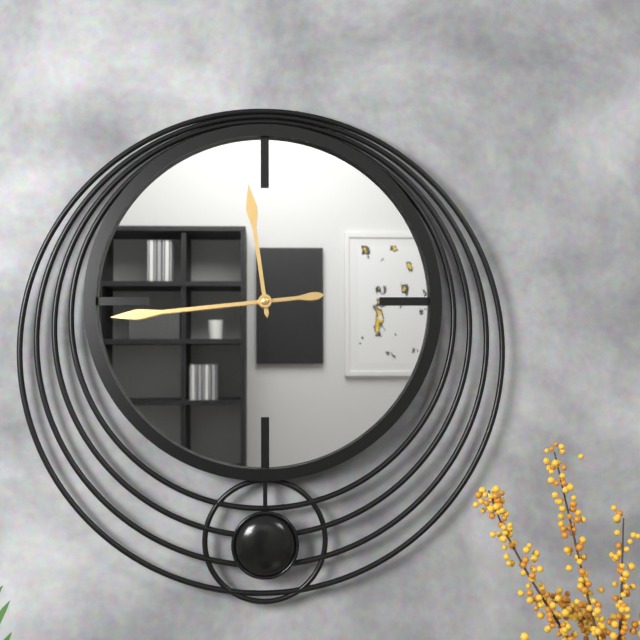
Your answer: **11:44**
